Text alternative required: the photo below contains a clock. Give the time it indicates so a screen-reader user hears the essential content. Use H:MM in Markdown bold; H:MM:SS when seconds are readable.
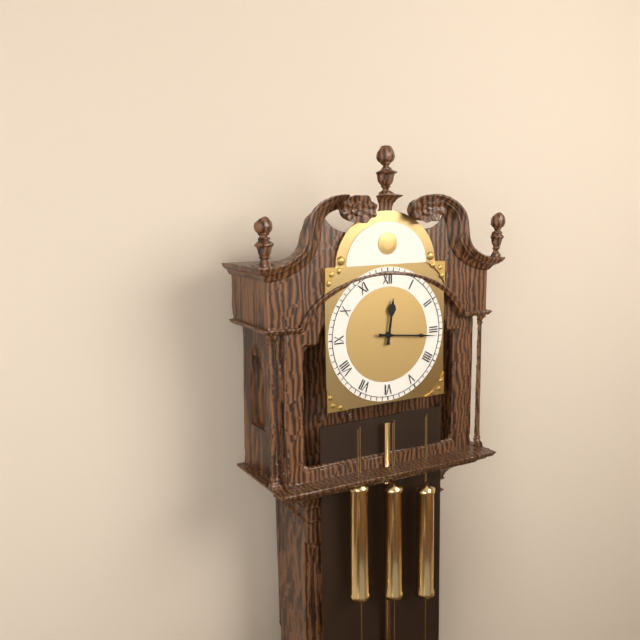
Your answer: **12:16**
